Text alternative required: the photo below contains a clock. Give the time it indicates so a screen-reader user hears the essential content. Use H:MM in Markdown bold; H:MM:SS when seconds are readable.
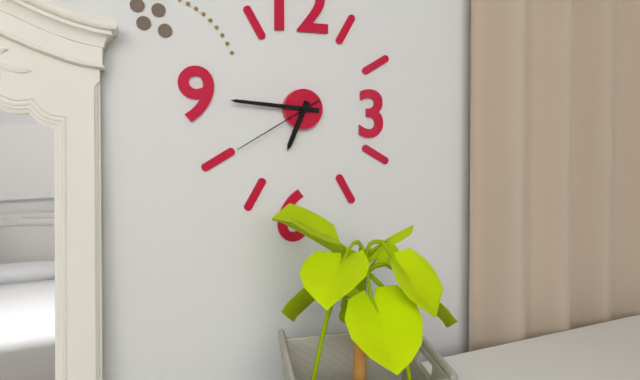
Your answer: **6:46:40**
